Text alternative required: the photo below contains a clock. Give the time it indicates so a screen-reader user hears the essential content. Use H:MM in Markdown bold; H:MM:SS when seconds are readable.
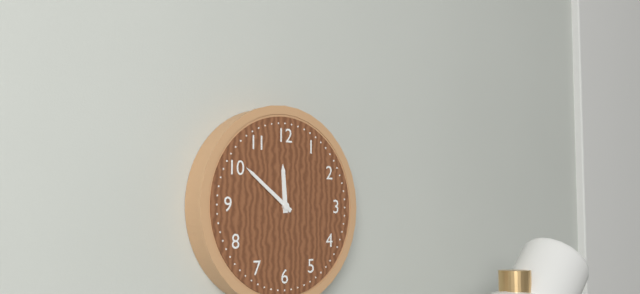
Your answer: **11:51**
